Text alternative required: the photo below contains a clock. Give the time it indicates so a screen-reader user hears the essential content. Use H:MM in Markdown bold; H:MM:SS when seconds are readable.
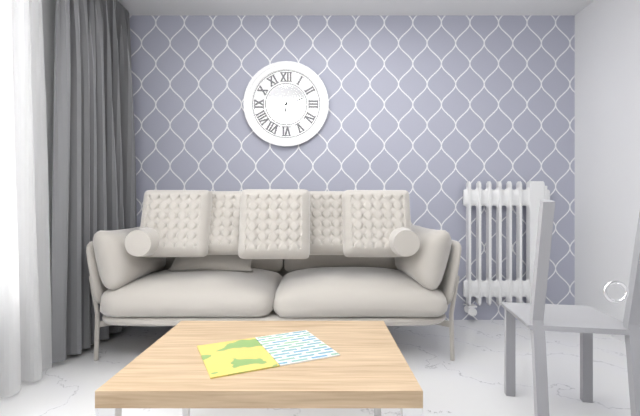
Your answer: **6:12**
